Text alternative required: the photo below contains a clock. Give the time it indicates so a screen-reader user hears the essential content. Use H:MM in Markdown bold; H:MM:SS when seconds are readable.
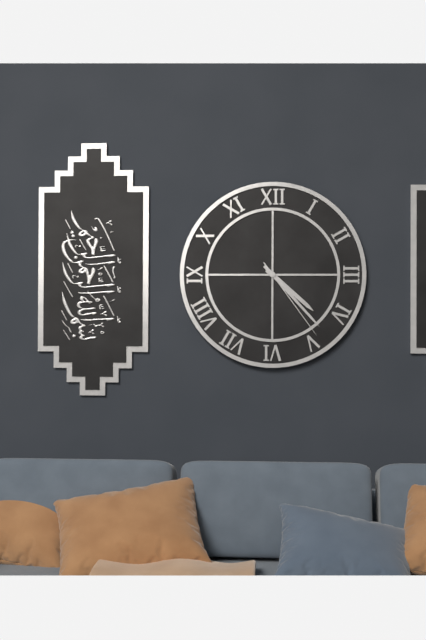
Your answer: **4:23:24**
